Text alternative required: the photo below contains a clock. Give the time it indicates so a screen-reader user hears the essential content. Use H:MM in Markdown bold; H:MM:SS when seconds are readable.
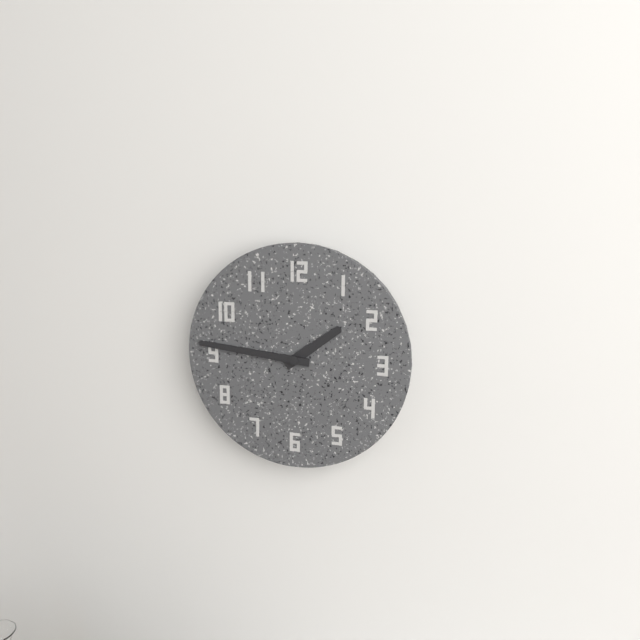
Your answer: **1:46**
